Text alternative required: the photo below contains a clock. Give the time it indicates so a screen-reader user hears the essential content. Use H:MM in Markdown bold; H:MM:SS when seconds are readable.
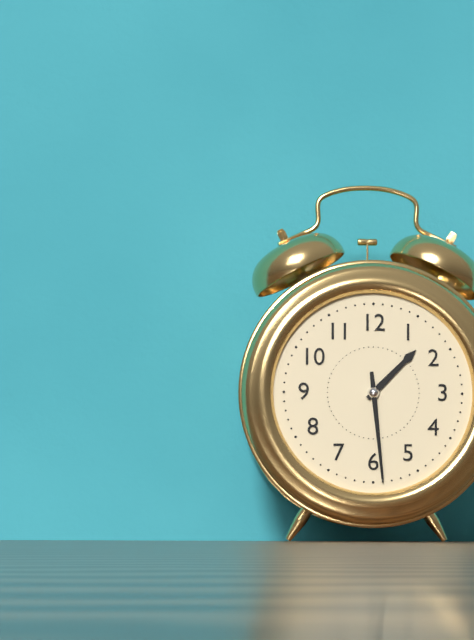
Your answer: **1:29**
